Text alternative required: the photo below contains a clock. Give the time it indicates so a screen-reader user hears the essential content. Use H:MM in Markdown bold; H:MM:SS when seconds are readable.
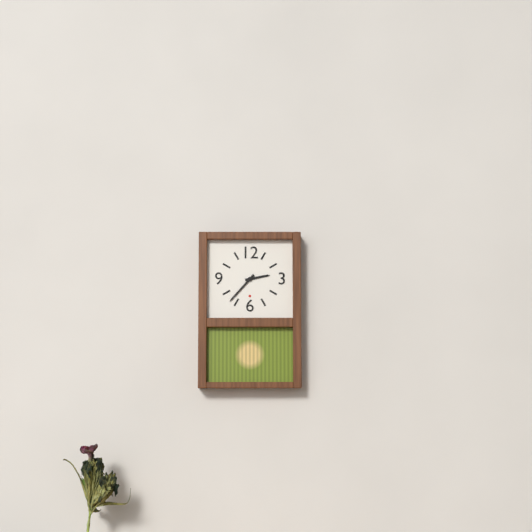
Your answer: **2:37**
